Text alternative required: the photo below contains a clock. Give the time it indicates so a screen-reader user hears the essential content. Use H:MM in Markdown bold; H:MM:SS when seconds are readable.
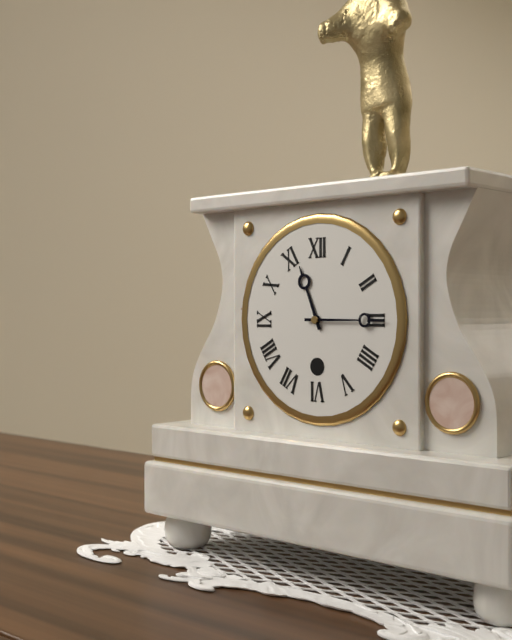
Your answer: **11:15**
